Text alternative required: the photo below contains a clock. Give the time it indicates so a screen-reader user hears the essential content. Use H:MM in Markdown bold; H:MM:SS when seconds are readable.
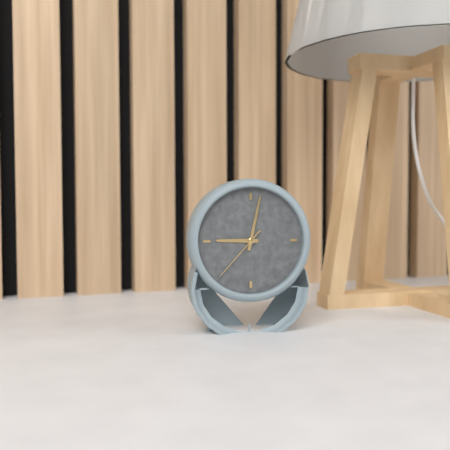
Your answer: **9:02:37**
